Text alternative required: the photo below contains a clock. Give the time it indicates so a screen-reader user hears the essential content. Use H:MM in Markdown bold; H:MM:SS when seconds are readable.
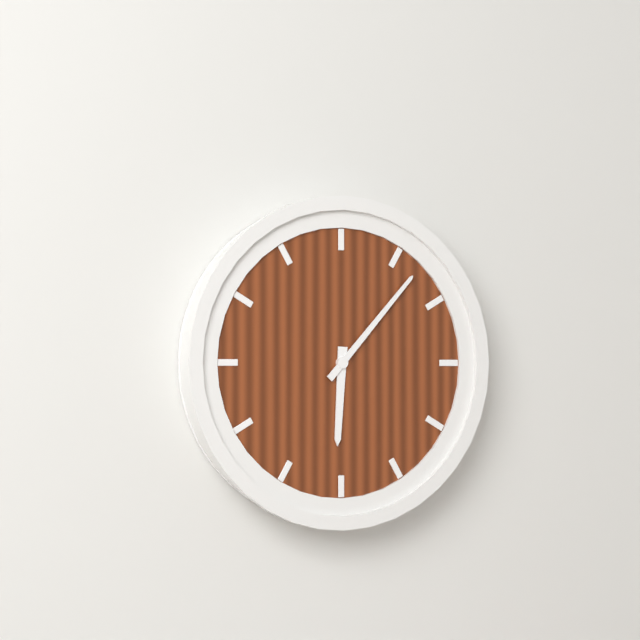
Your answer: **6:07**
